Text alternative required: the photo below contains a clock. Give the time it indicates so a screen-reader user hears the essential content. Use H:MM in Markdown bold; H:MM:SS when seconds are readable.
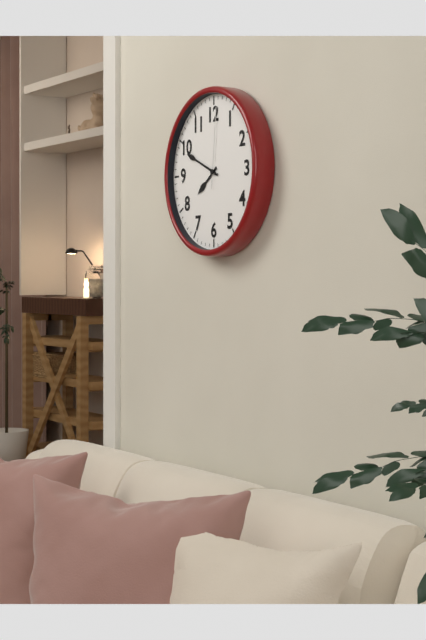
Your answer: **7:49:01**
